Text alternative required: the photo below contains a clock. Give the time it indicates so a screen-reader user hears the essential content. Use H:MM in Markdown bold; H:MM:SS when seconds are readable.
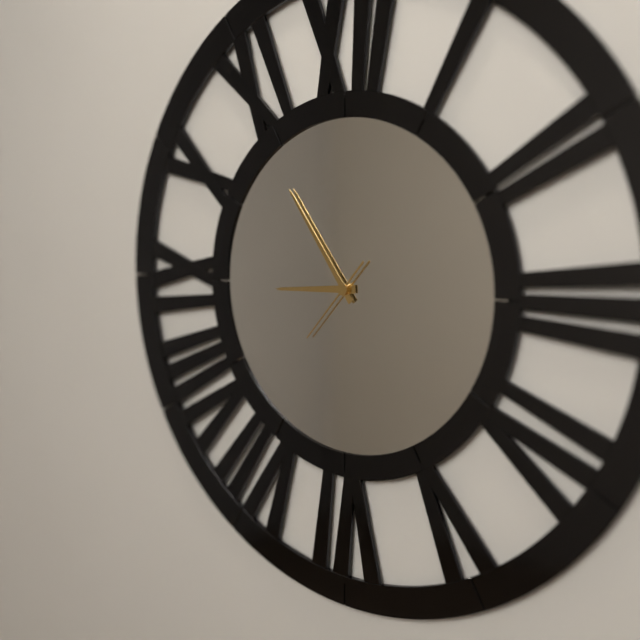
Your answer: **8:54:37**
